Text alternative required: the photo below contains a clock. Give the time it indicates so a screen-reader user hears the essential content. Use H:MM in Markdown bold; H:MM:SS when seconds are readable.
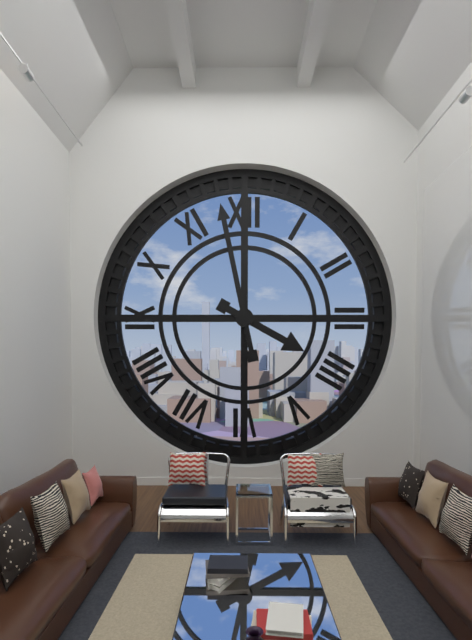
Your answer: **3:58**
